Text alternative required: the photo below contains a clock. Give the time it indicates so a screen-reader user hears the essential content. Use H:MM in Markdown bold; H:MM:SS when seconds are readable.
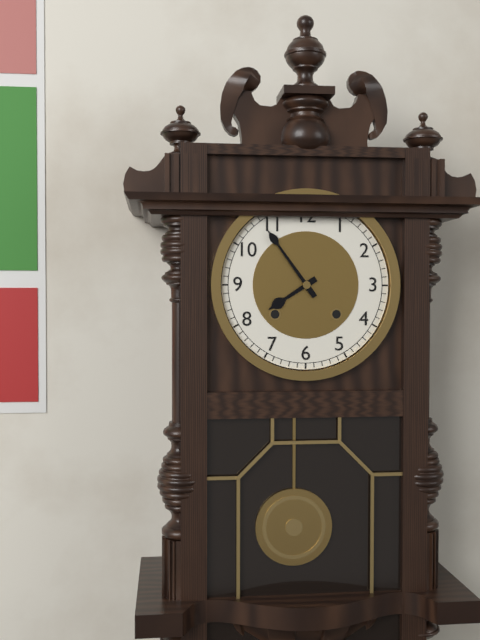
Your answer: **7:54**
